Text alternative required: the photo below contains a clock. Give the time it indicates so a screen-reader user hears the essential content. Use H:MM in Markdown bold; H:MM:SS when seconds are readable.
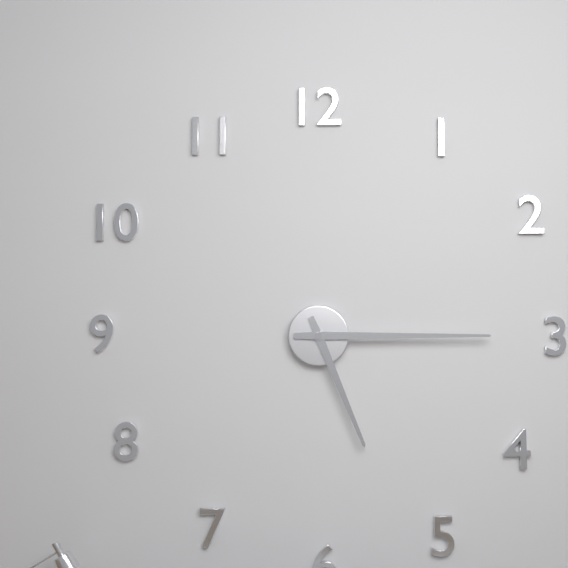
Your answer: **5:15**
